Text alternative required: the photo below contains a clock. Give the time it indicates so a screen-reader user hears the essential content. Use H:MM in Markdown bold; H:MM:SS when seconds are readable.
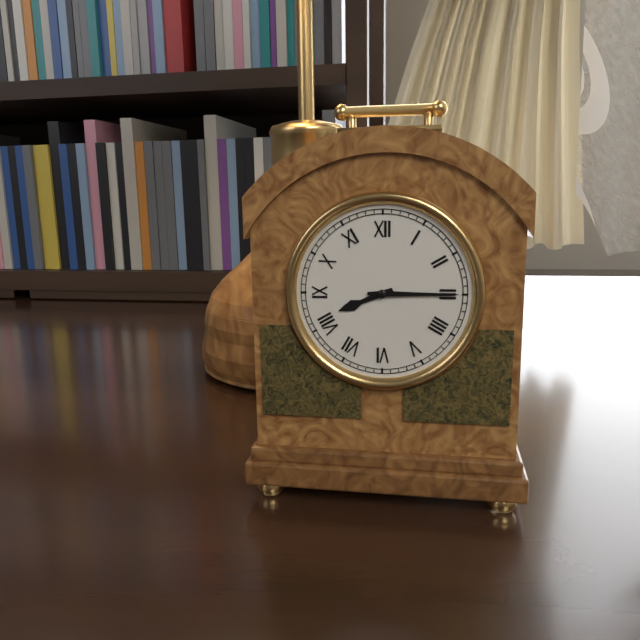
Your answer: **8:15**
